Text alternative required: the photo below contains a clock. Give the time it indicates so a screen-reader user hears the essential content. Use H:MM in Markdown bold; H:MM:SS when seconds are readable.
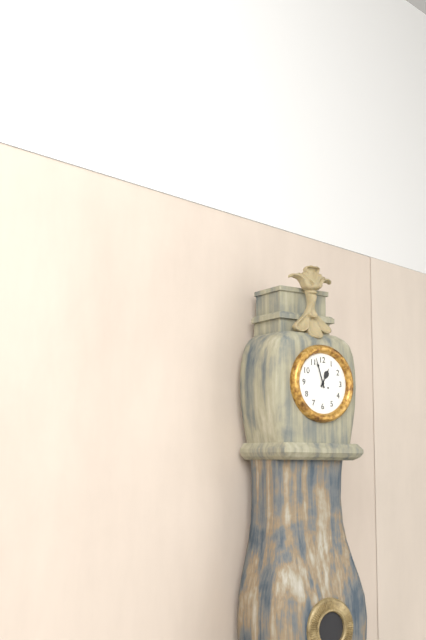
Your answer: **12:57**
